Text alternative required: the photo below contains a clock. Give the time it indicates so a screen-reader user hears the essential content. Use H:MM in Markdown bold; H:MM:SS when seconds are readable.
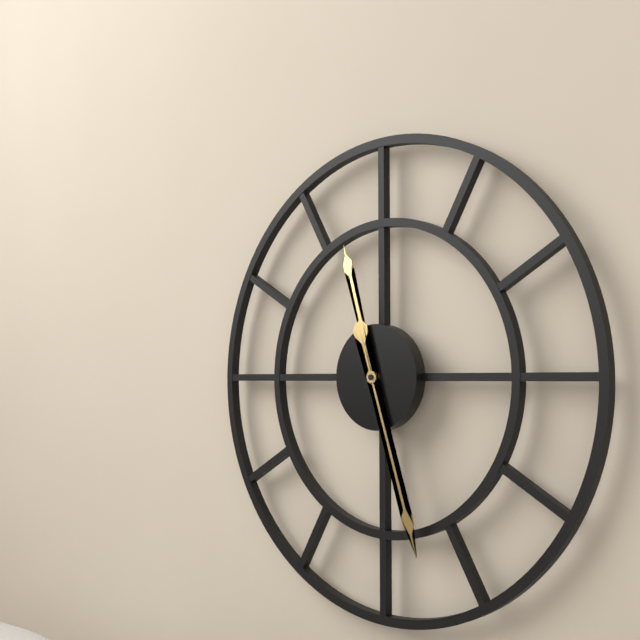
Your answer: **11:27**
